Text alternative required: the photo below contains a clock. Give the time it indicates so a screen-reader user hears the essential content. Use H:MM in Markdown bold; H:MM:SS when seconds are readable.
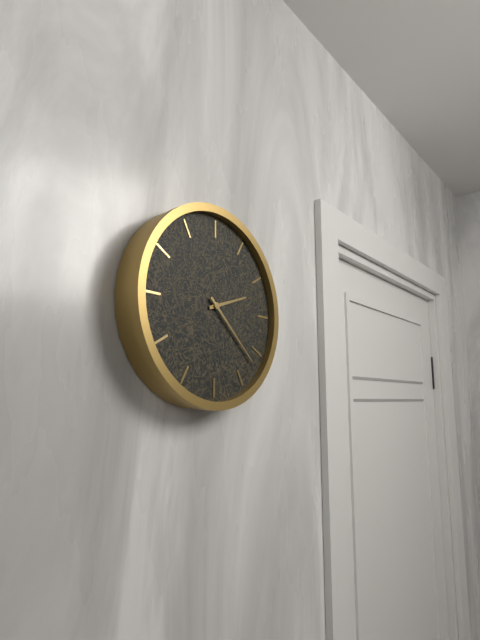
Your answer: **2:22**
